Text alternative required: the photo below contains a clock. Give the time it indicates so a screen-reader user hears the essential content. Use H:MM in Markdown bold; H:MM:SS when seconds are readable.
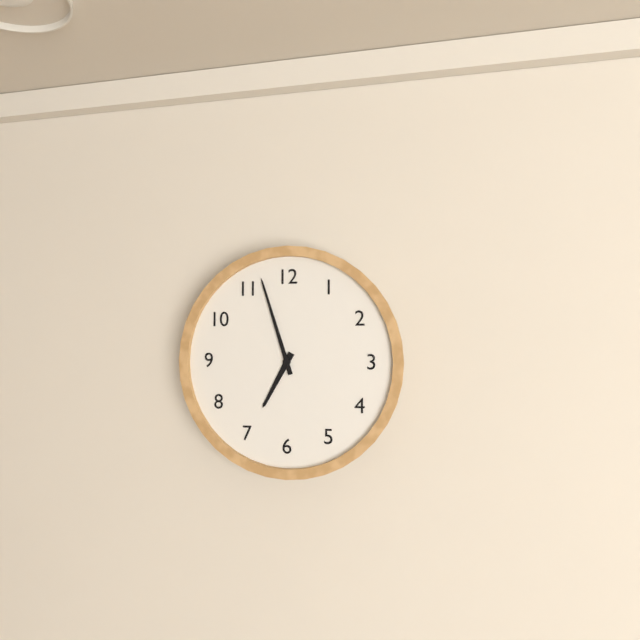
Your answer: **6:57**
